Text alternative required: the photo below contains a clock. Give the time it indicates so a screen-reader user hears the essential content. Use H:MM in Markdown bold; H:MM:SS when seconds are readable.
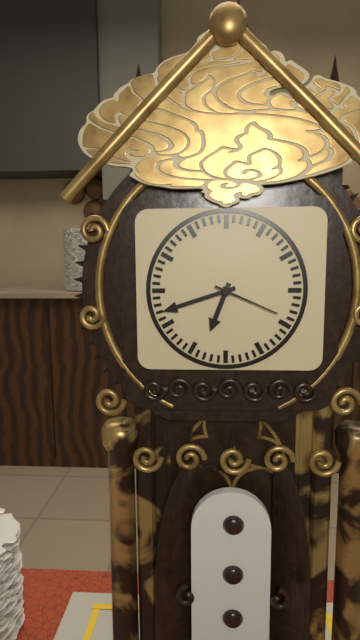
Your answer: **6:42:19**
